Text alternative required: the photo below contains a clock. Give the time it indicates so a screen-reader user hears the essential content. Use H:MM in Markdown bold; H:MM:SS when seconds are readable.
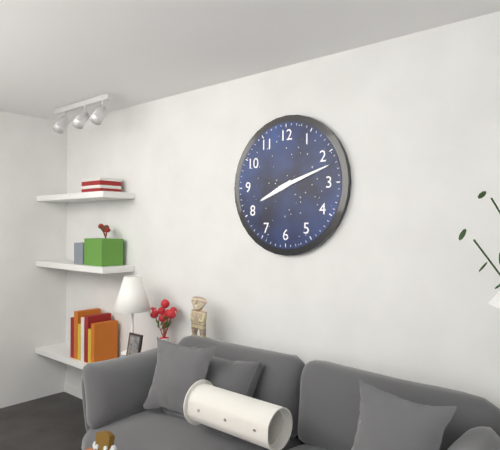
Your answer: **8:12**
